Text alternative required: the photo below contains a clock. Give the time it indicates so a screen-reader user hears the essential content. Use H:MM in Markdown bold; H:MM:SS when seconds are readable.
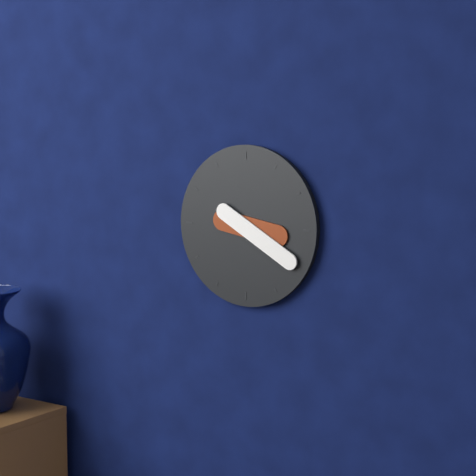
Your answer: **3:20**
